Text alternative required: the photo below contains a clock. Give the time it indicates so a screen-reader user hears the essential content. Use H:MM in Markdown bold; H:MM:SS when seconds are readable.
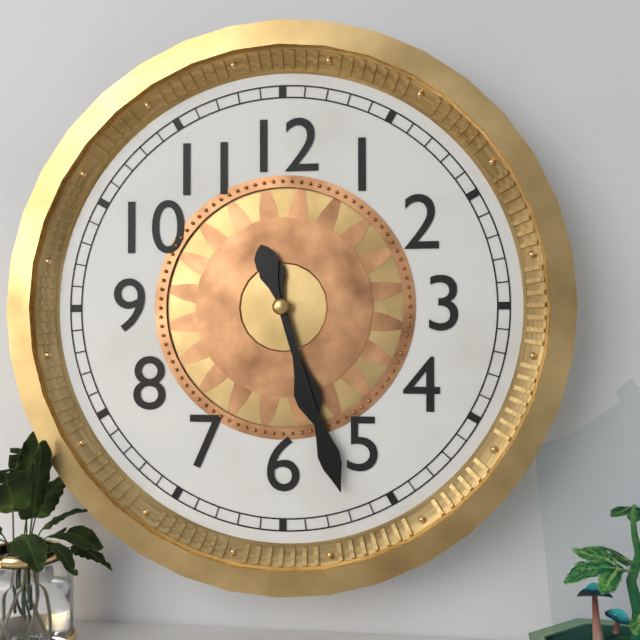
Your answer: **5:27**
